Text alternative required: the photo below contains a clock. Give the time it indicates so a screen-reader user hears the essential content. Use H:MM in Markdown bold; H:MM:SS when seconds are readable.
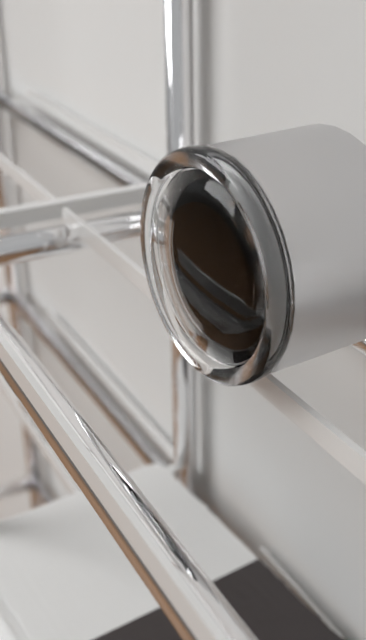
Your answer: **1:30:26**
